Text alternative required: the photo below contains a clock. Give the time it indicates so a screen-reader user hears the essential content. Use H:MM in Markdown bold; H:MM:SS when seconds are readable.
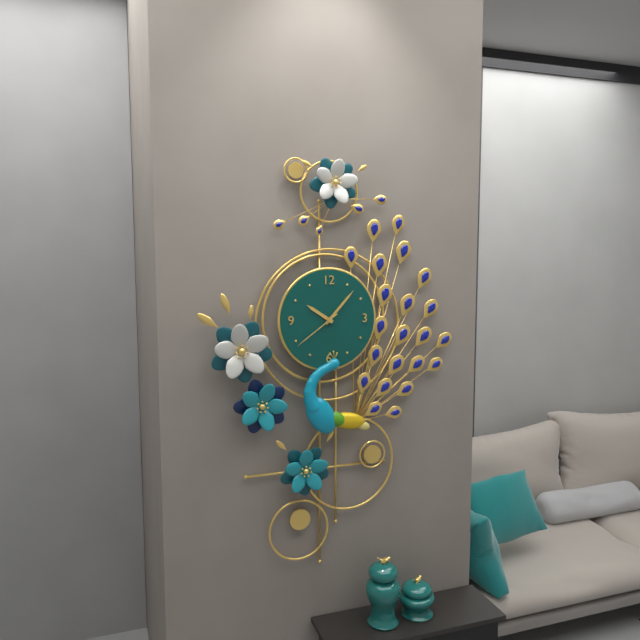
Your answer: **10:07:39**
